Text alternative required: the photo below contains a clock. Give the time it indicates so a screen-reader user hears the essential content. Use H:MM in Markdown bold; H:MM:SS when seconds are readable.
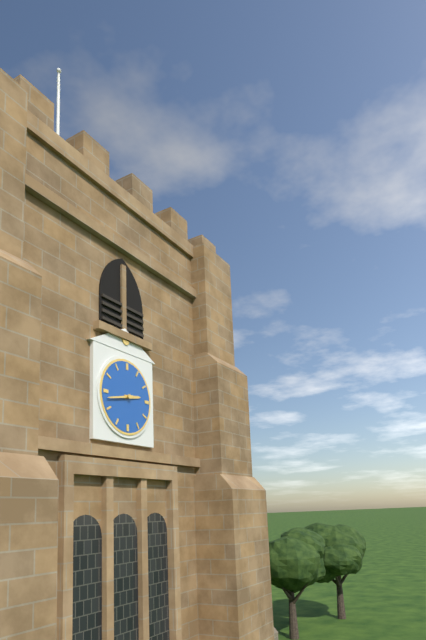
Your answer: **2:43**
